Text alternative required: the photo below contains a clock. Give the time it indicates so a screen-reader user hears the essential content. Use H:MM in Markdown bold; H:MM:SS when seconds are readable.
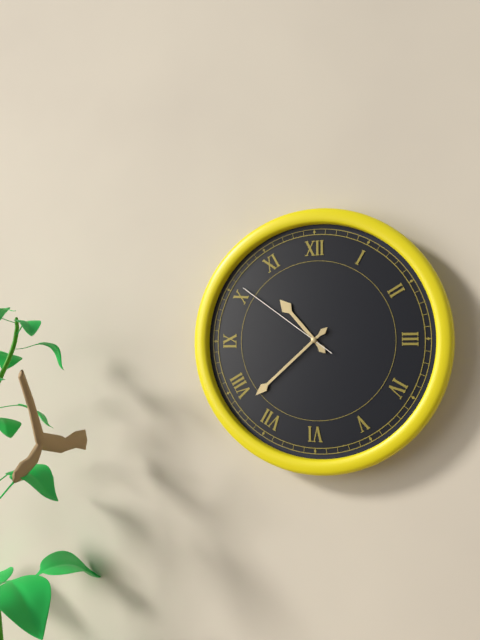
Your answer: **10:38:51**
